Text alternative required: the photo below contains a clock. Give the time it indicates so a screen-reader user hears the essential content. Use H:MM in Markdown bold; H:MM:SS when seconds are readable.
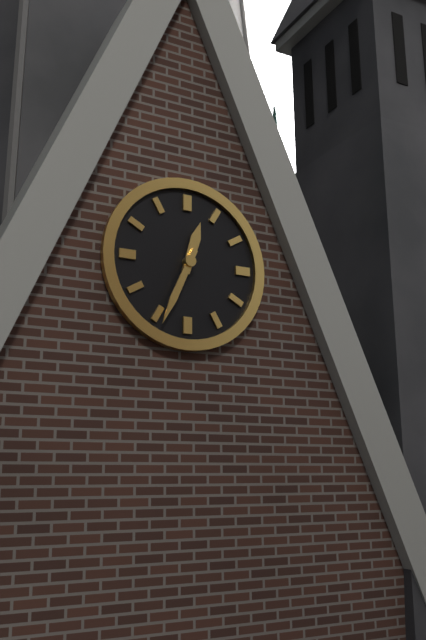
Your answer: **12:34**
